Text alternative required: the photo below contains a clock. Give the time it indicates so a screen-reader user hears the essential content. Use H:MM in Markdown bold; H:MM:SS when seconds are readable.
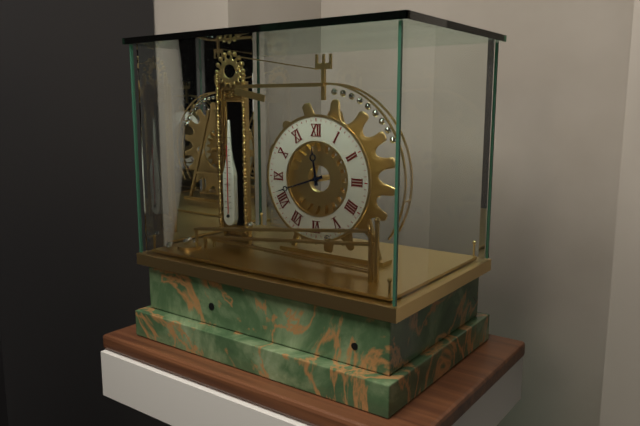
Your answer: **11:42**
